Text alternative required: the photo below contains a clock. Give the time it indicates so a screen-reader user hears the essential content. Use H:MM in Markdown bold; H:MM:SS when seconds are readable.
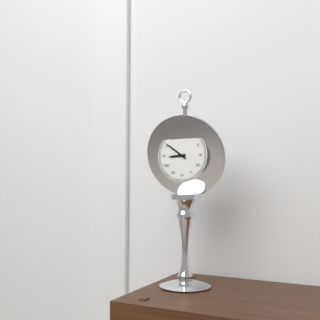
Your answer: **8:51**
